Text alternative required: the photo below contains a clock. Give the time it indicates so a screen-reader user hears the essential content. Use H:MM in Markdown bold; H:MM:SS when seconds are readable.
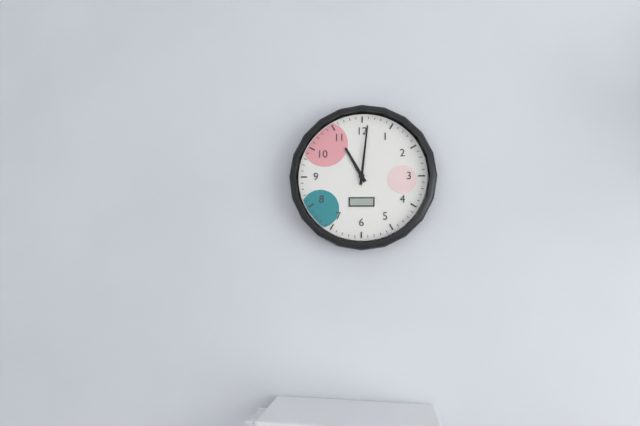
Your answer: **11:01**
